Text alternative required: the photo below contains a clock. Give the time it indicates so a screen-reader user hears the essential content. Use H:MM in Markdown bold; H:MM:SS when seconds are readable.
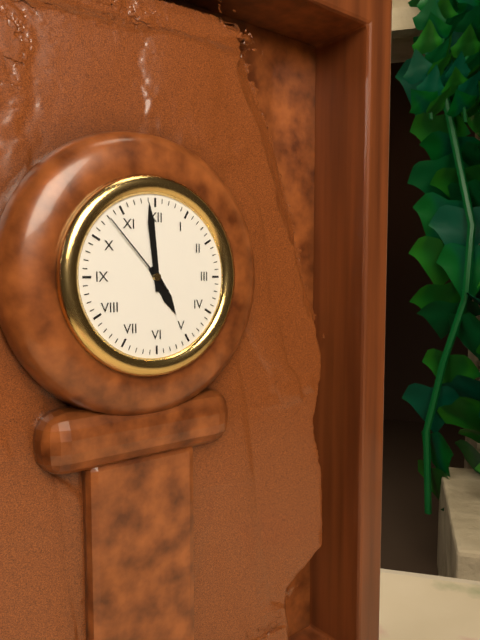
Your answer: **4:59:53**
